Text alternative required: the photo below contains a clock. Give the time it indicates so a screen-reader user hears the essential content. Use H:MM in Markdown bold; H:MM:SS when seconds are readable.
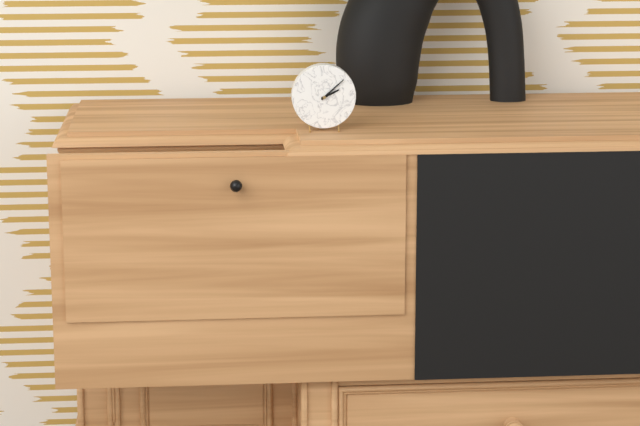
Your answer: **2:08**
